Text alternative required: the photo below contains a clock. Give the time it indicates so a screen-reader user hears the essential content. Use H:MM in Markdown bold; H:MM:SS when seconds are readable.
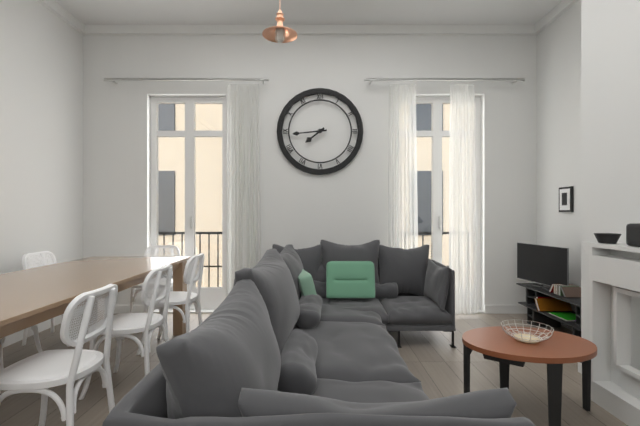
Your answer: **7:44**
